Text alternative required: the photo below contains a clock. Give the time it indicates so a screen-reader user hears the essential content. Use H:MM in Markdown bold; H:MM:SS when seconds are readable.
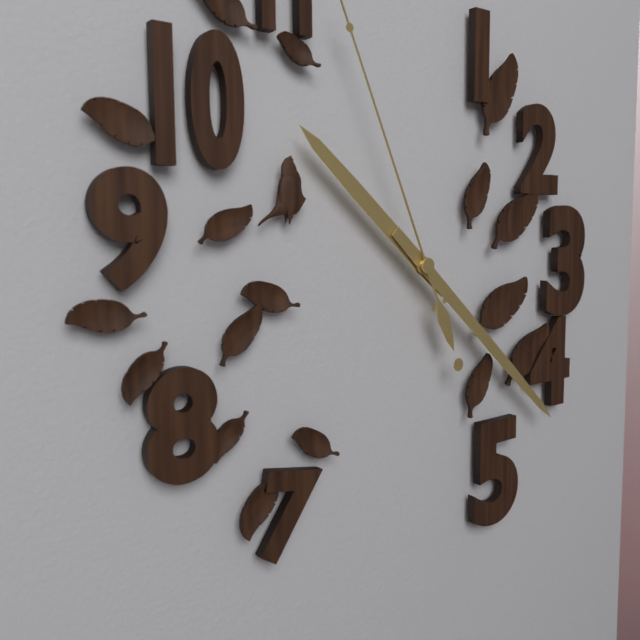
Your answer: **10:22**
